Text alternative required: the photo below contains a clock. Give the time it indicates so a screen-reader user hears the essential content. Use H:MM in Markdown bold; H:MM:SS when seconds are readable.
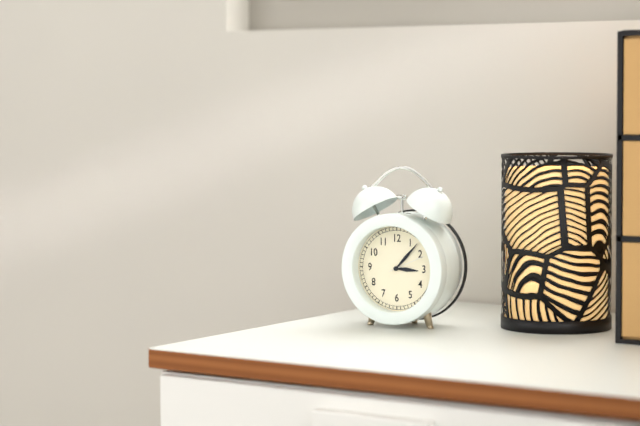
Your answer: **3:07**
